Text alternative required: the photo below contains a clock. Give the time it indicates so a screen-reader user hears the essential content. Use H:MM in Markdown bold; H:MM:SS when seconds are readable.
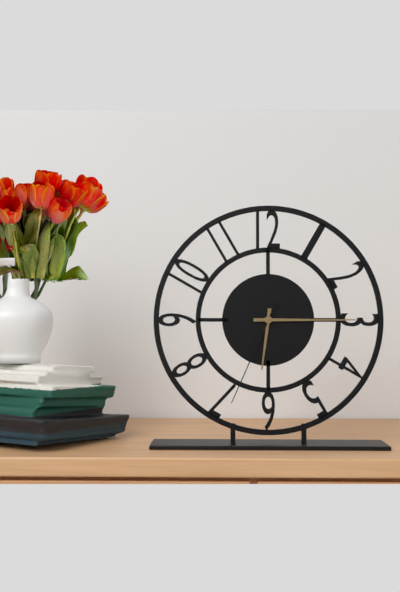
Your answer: **6:15:34**
